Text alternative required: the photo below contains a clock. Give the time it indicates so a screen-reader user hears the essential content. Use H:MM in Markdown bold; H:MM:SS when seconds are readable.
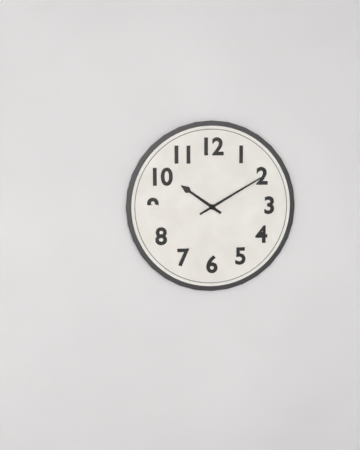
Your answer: **10:10**
